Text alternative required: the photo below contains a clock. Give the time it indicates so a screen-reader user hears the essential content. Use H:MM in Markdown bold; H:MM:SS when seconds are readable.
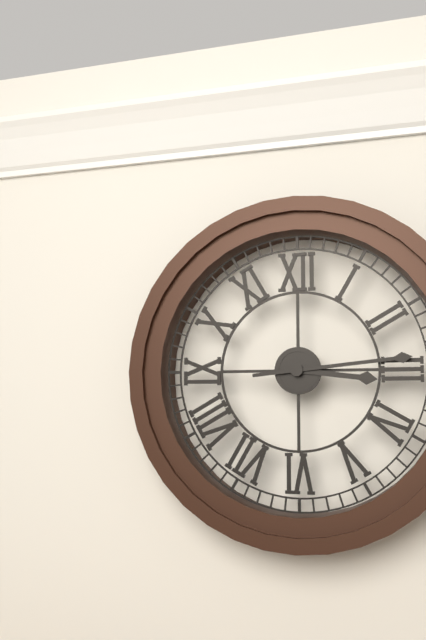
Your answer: **3:14**
